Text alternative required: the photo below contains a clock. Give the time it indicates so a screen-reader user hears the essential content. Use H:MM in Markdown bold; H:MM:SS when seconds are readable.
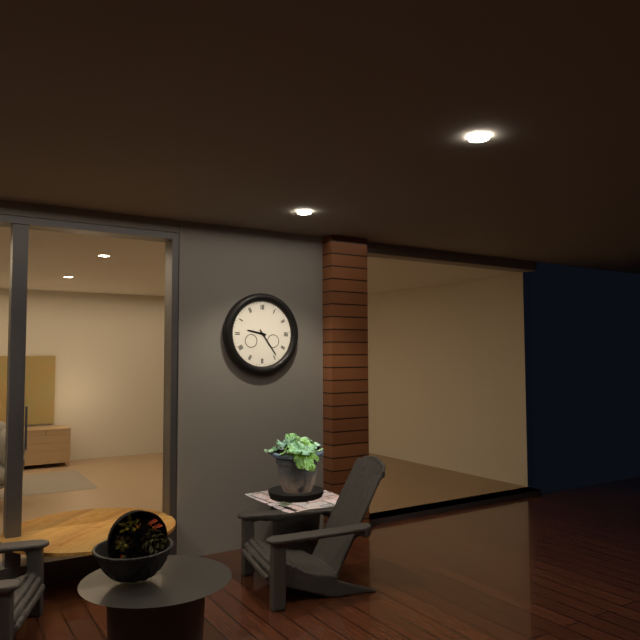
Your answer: **9:24**
